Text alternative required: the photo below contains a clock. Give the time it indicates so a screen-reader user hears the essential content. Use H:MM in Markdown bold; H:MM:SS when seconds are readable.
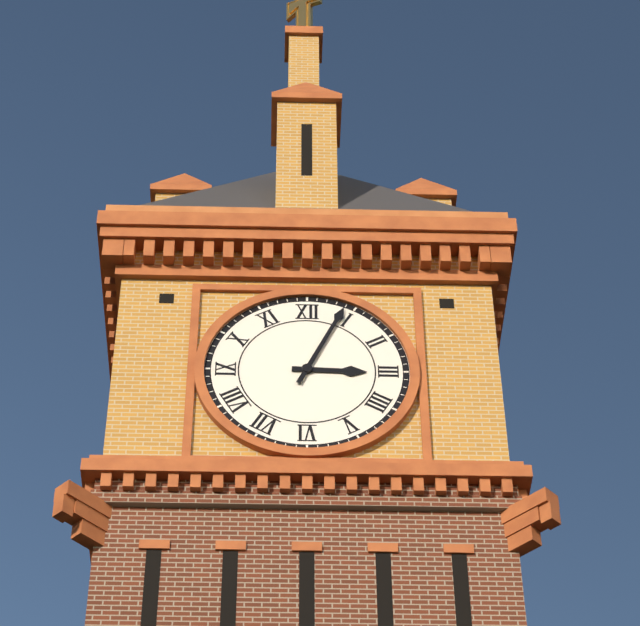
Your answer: **3:04**
